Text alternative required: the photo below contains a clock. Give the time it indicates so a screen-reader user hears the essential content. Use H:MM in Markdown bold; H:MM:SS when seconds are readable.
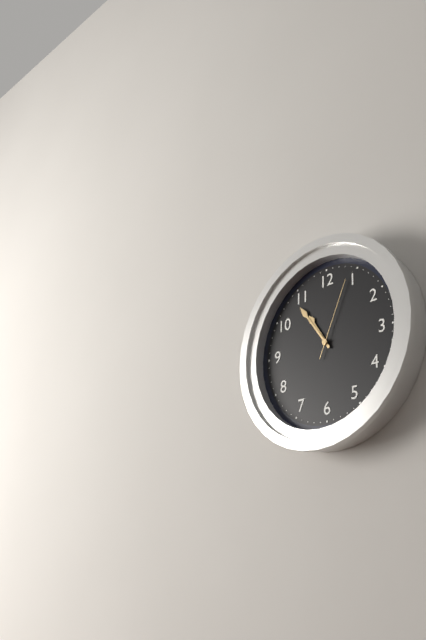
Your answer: **10:54:04**
